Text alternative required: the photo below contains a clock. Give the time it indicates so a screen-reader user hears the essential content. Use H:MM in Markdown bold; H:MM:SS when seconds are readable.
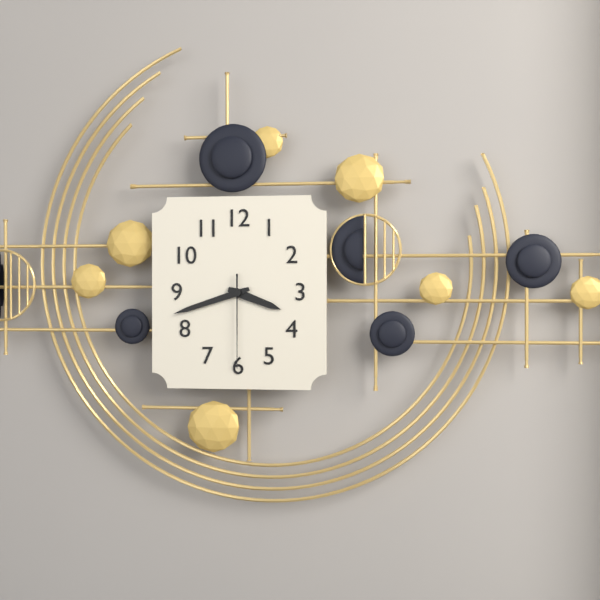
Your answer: **3:42:30**
